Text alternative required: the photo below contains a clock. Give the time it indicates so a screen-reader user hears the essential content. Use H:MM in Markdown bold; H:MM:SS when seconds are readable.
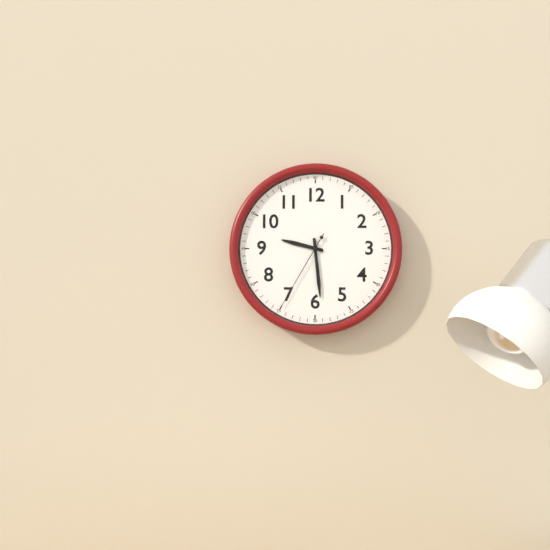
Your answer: **9:29:35**
